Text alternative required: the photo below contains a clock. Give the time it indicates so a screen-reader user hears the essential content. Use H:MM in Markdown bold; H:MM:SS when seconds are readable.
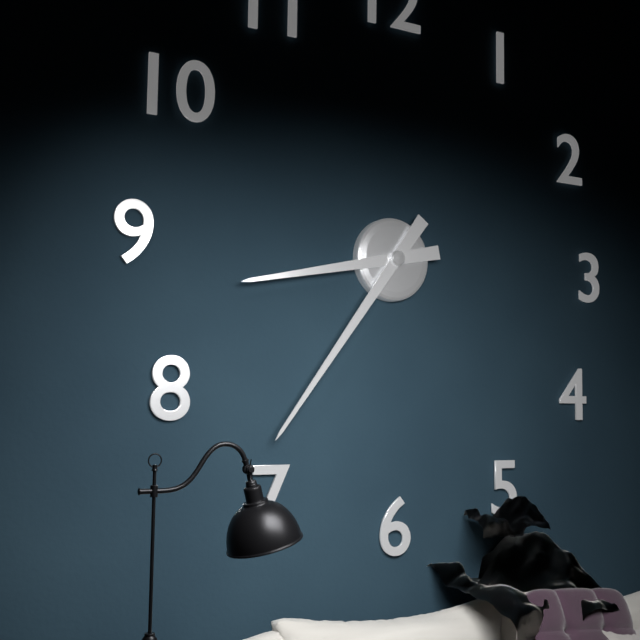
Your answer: **8:36**
